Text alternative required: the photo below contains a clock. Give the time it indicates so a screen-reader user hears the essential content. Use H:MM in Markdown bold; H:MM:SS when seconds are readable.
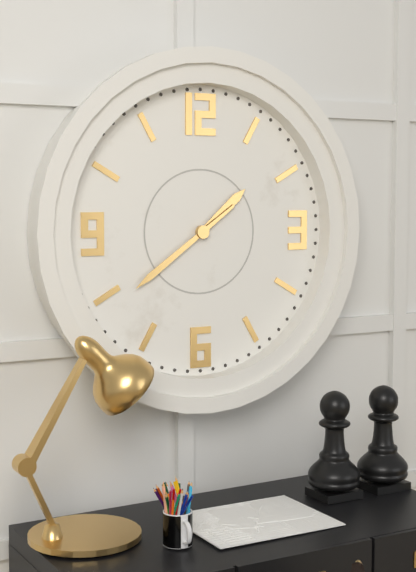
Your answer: **1:39**
